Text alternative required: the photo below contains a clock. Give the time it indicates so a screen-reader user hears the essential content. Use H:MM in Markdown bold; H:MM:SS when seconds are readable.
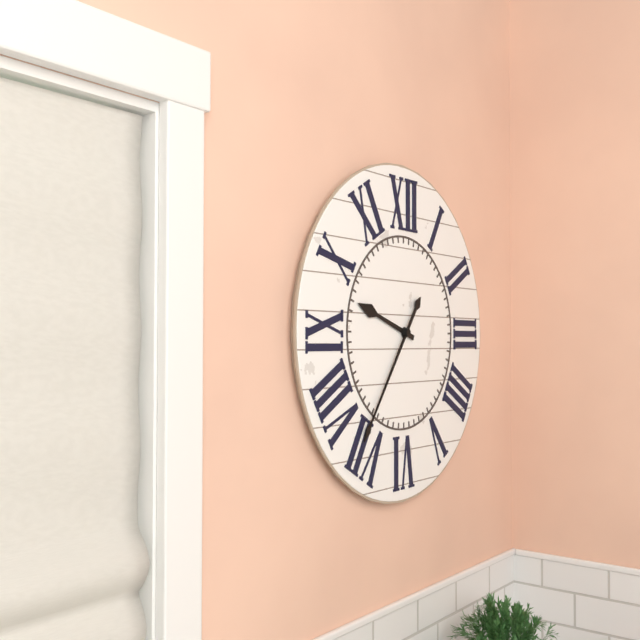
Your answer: **9:36**
